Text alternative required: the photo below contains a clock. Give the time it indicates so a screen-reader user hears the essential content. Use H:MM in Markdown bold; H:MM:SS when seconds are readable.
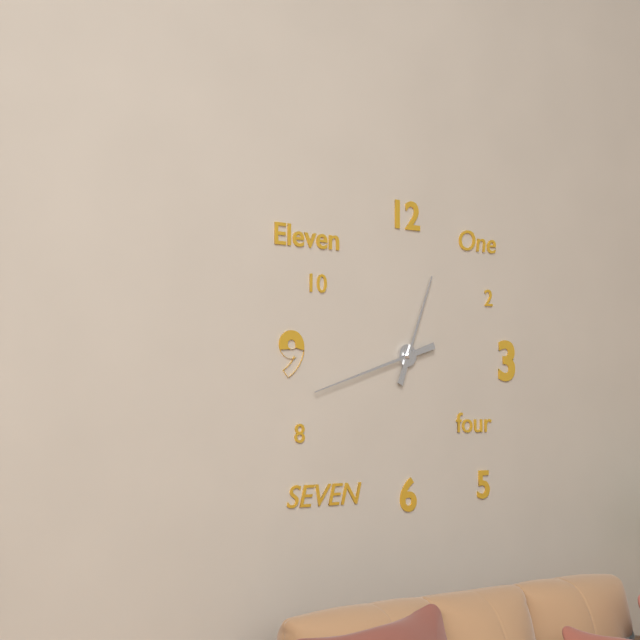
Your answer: **12:42**
